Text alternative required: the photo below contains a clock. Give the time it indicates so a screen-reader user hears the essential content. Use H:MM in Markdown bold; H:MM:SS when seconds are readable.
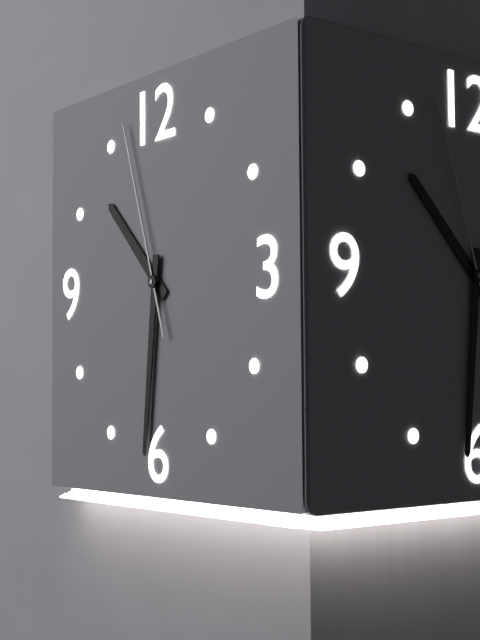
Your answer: **10:31:57**
